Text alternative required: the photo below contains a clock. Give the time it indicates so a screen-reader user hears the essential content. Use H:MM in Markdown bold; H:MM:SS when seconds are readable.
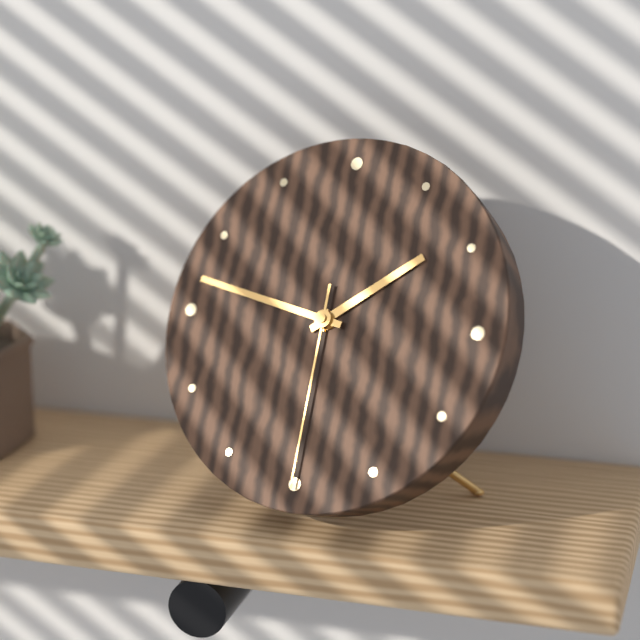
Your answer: **1:47:30**
